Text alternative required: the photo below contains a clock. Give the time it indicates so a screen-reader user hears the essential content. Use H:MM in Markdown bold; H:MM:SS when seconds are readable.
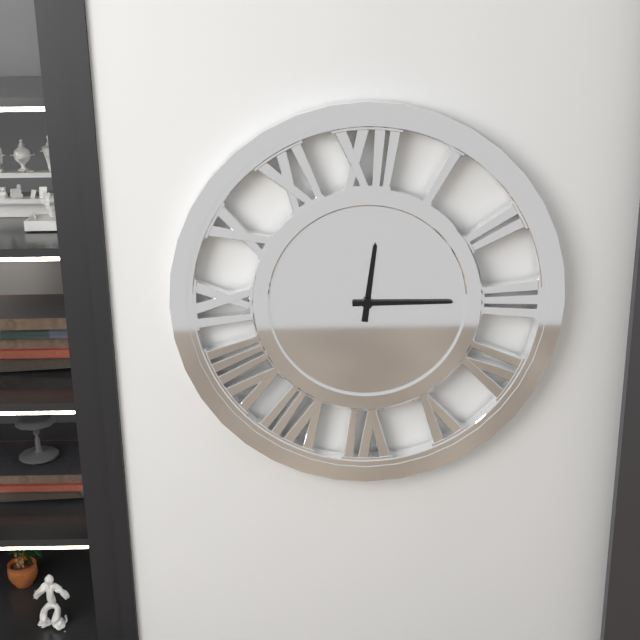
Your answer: **12:15**
